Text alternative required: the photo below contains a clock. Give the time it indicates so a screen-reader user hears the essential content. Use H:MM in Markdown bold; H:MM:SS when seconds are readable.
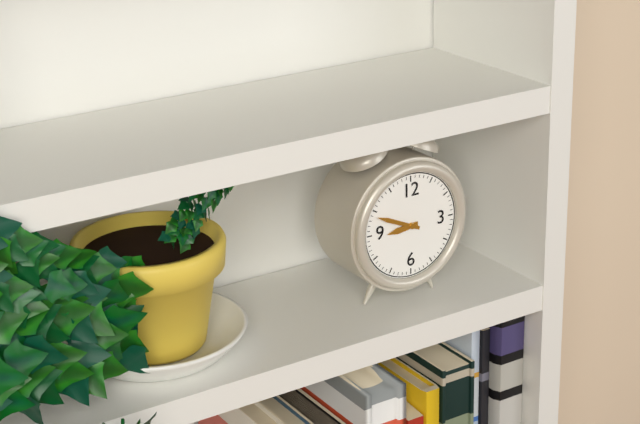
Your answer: **8:49**
